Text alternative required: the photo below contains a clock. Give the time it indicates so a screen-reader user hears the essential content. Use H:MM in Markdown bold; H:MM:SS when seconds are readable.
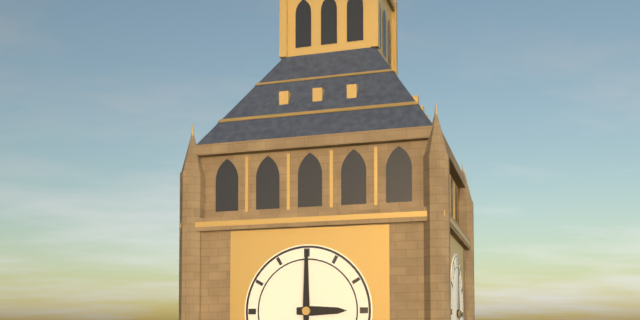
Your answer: **3:00**
